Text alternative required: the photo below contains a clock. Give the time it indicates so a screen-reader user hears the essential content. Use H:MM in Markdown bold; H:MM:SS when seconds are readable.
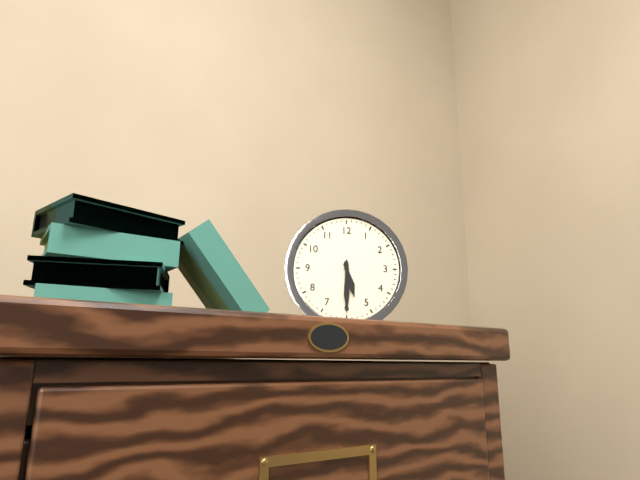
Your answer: **5:30**
